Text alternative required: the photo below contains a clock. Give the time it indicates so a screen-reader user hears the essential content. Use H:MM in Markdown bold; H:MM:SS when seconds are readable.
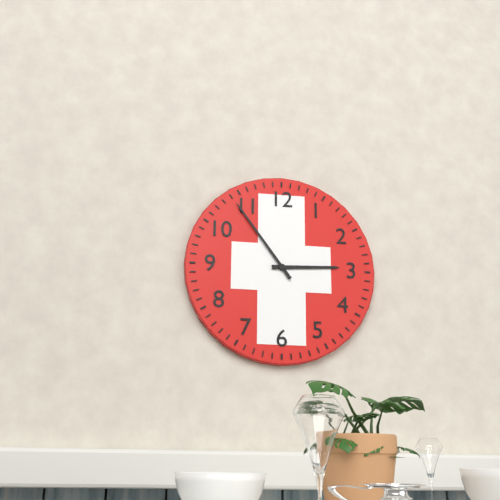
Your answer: **2:54**
